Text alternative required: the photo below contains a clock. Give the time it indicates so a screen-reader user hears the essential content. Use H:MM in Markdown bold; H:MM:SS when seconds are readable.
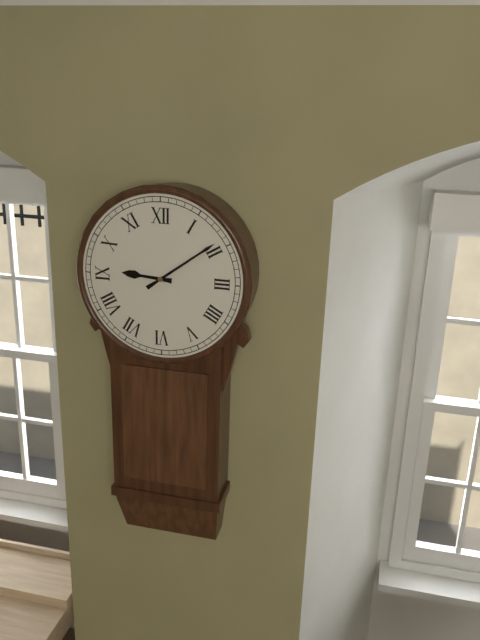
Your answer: **9:09**
